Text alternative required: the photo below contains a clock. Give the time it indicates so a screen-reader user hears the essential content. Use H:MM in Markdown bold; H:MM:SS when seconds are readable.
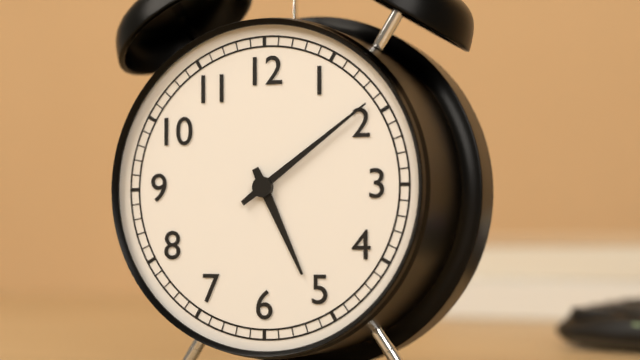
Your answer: **5:09**
